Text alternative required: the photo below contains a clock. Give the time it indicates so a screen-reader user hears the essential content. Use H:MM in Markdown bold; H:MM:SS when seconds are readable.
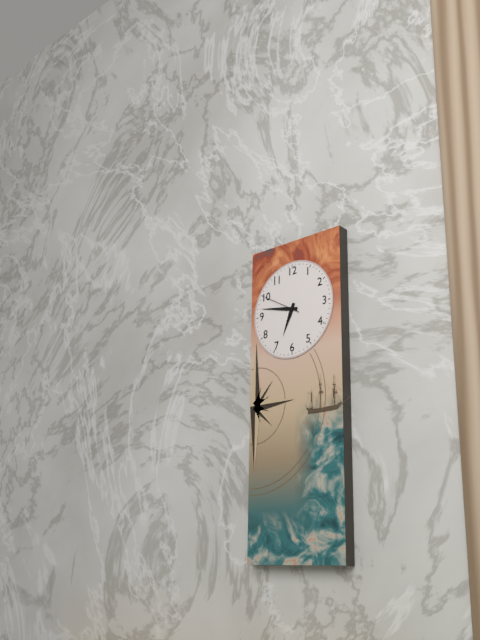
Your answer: **6:47**
